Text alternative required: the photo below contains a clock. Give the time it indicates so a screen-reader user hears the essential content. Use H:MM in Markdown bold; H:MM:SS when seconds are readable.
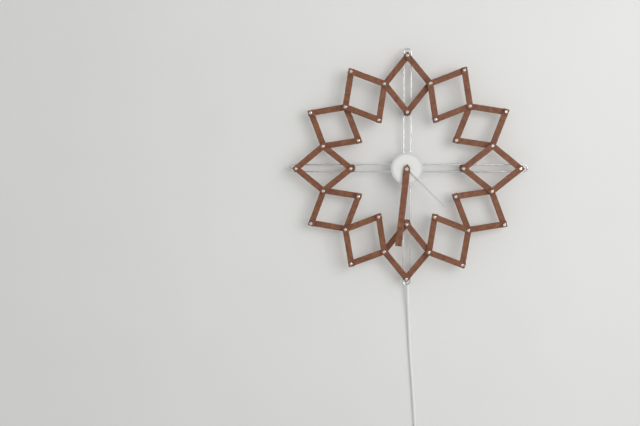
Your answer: **4:31**
